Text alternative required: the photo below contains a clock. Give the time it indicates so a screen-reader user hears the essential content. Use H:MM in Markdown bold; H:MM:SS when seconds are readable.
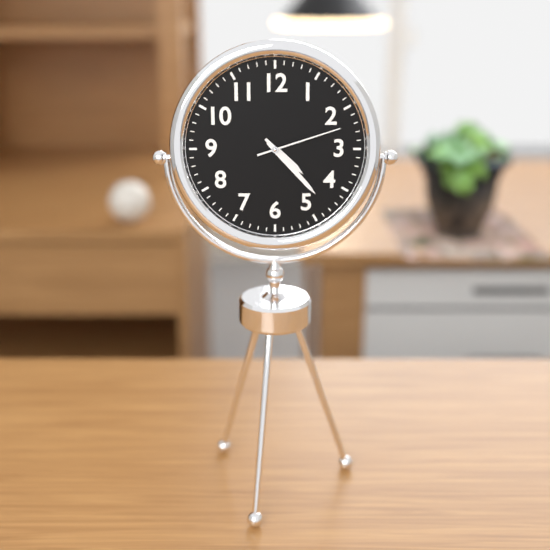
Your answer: **4:23:12**
